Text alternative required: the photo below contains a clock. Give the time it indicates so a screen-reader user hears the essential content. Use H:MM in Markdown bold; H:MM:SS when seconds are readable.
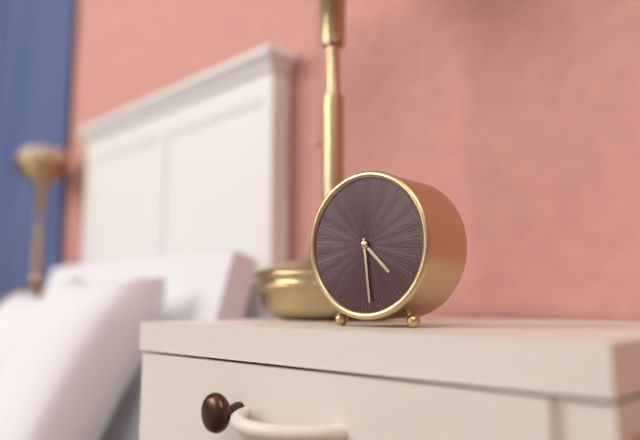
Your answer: **4:29**
